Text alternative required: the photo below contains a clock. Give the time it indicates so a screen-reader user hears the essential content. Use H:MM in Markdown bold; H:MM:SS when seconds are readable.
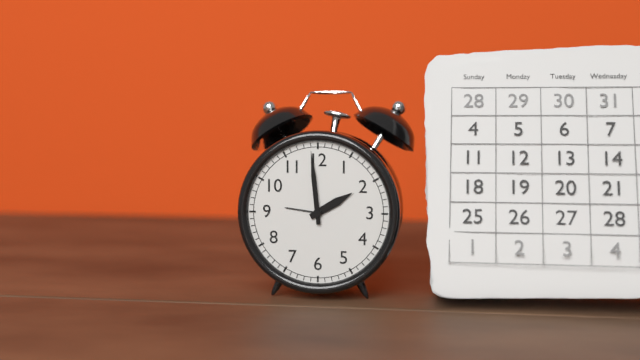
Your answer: **1:59**
